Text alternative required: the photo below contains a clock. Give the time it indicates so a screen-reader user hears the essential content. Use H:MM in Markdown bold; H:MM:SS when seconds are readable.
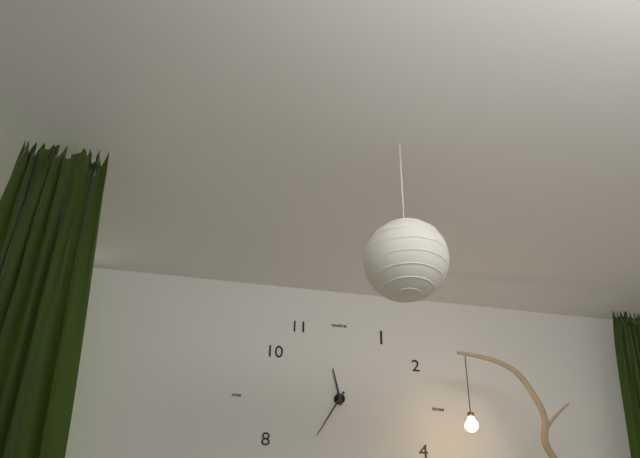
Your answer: **11:35**
